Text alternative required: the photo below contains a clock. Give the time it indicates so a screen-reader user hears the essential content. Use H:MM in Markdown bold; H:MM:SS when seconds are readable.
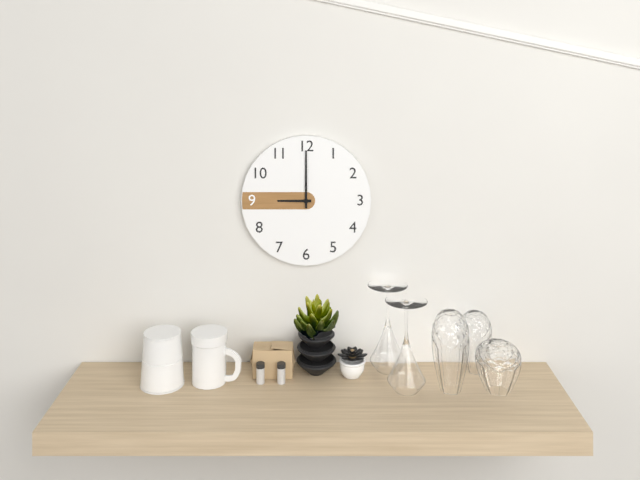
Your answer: **9:00**
